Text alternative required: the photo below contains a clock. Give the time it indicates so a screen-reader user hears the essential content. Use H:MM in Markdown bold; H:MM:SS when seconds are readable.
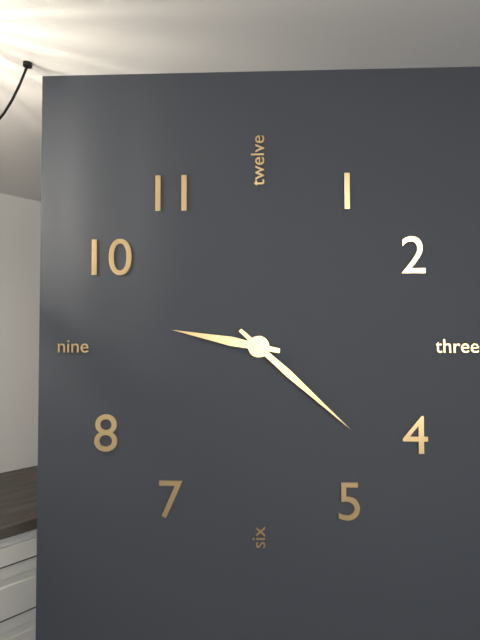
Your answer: **9:22**
